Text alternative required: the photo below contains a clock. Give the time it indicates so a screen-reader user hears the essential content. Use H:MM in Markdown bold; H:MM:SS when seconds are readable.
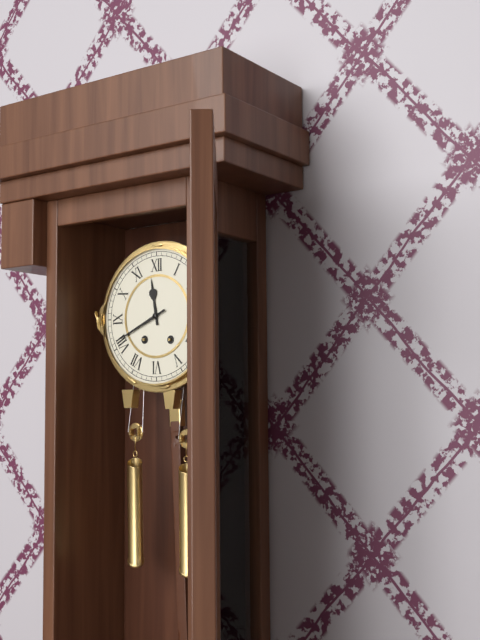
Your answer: **11:41**
